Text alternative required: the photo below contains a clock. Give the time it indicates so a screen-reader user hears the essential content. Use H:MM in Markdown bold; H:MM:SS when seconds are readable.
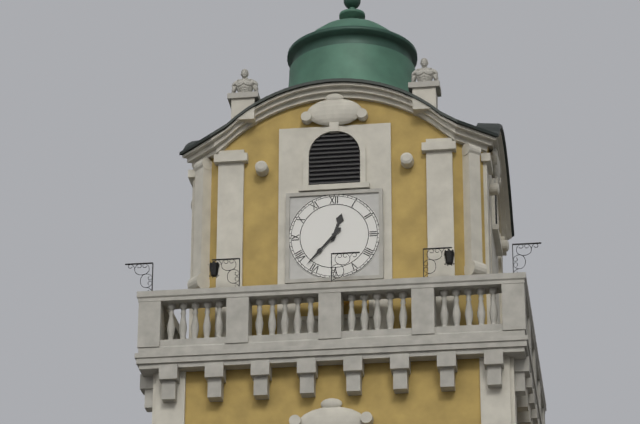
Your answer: **12:37**
